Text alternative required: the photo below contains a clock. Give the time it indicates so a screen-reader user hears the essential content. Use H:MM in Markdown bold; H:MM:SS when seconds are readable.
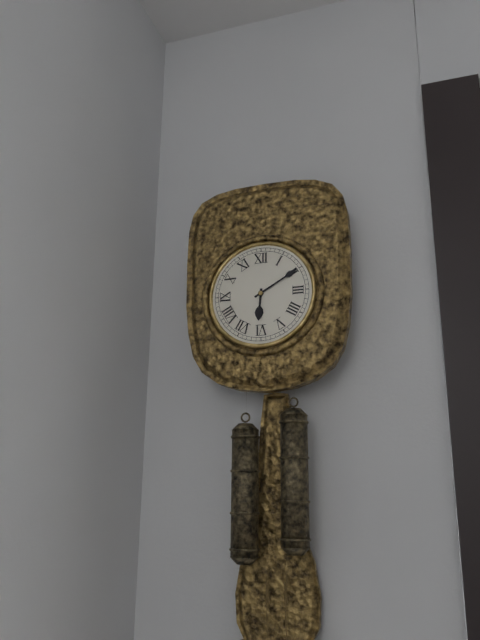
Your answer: **6:10**
